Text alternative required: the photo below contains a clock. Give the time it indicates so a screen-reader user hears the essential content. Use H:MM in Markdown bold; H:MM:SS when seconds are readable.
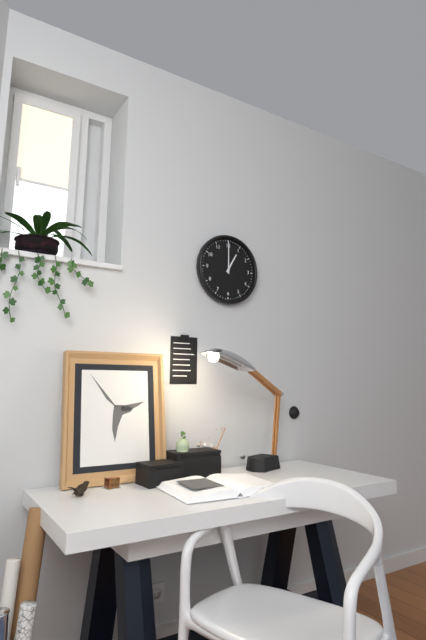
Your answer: **1:00**
